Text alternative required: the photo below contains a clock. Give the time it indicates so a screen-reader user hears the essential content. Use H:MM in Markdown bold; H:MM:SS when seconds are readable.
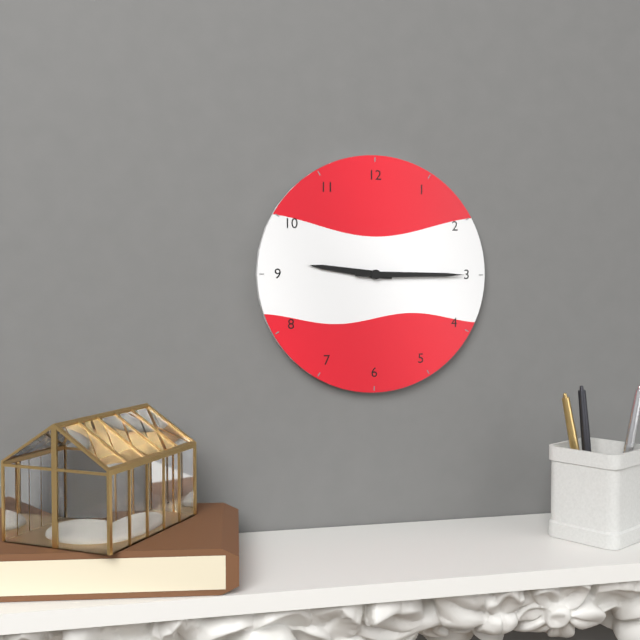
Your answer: **9:15**
